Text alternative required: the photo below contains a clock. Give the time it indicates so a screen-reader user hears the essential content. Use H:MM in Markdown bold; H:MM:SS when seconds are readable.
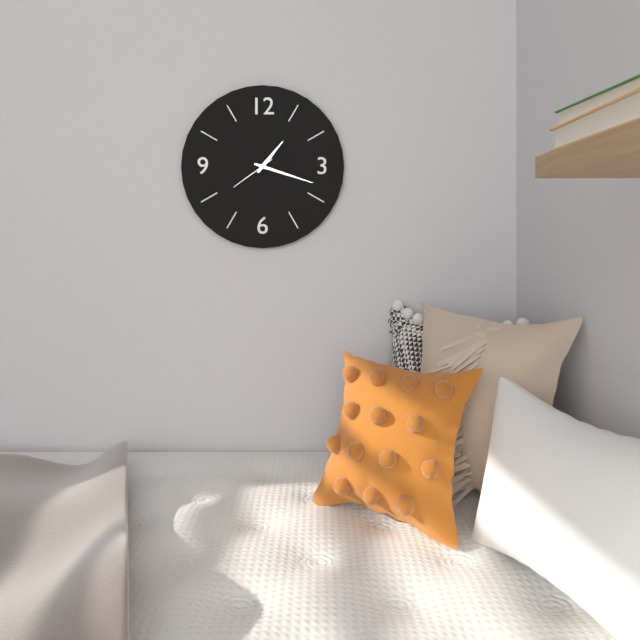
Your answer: **1:18**
